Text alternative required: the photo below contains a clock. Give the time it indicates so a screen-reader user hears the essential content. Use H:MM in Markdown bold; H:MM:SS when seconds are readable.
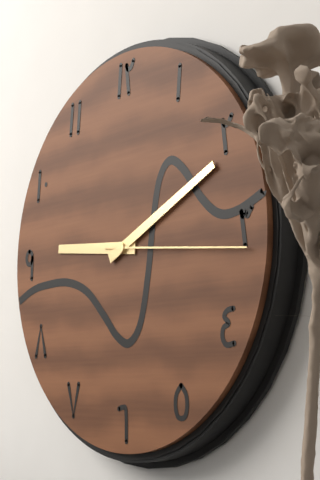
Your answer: **9:11:16**
